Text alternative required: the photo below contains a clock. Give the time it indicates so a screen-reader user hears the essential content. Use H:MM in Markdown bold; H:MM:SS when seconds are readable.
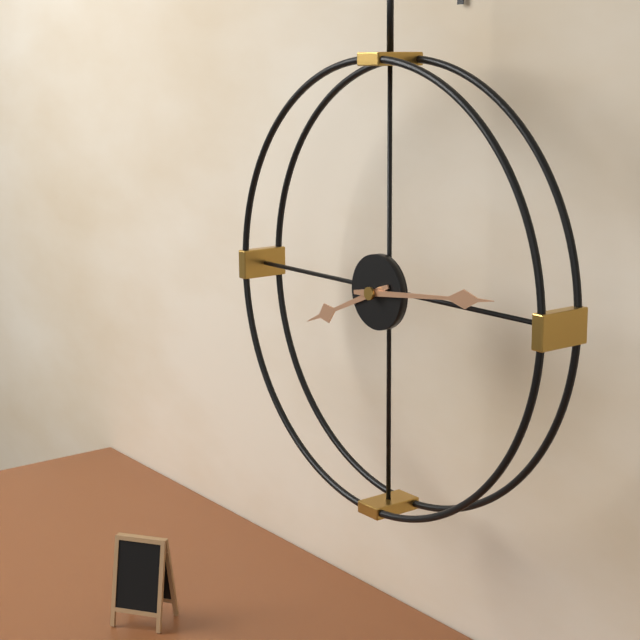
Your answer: **8:14**
